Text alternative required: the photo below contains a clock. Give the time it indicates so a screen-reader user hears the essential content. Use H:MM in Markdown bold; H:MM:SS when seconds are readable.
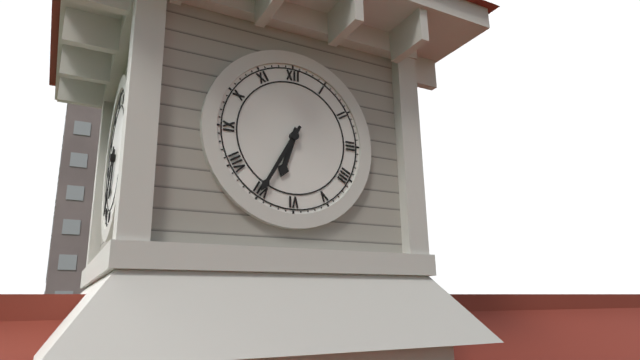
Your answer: **6:35**
